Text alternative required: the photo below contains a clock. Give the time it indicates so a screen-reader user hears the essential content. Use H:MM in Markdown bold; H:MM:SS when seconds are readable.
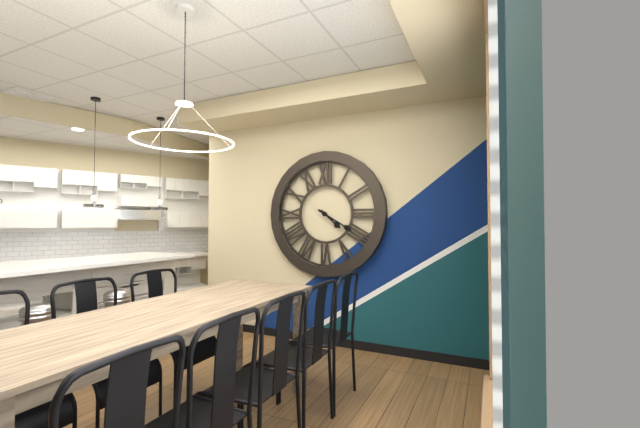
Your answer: **4:20**
